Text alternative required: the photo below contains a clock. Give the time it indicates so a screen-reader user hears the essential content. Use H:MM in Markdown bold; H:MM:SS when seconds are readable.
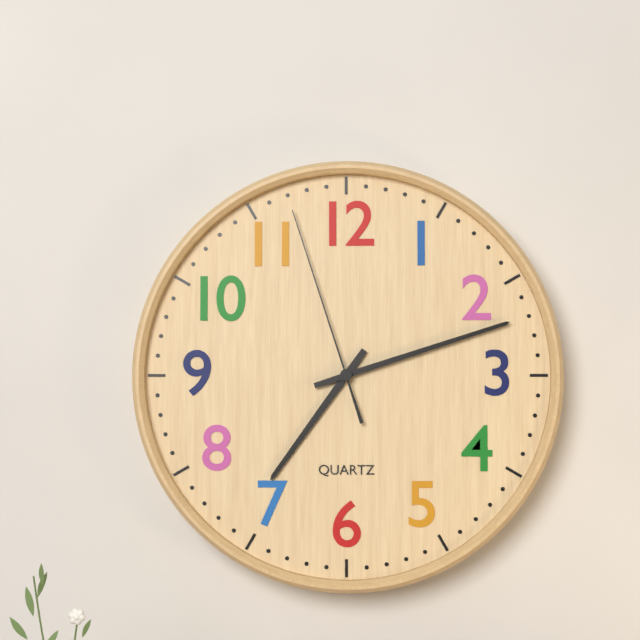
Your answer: **7:12:57**
